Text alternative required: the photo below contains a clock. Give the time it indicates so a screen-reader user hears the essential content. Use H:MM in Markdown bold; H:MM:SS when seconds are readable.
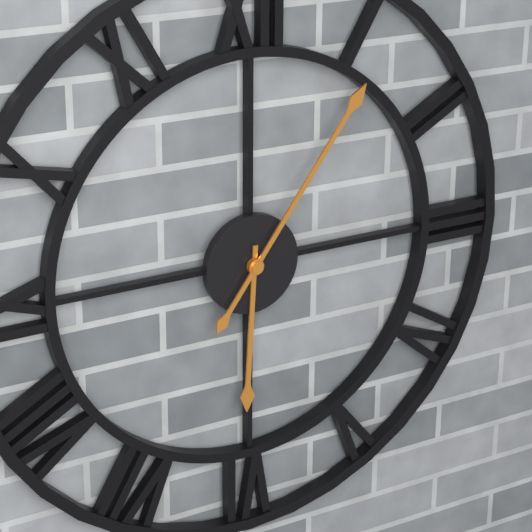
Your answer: **6:06**
